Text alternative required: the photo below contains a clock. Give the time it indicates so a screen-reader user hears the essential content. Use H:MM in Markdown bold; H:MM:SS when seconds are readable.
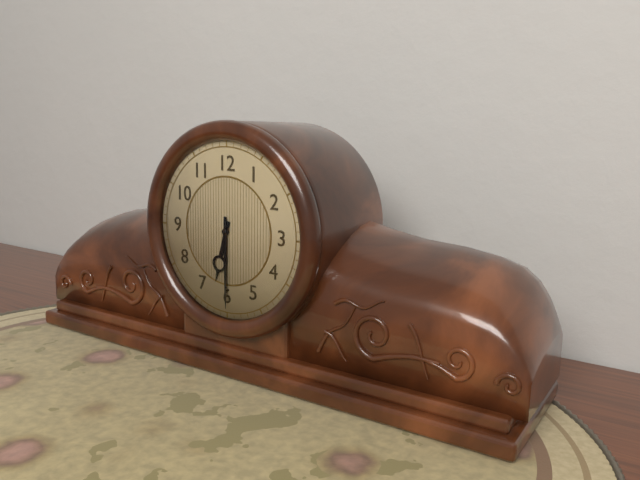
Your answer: **6:30**
